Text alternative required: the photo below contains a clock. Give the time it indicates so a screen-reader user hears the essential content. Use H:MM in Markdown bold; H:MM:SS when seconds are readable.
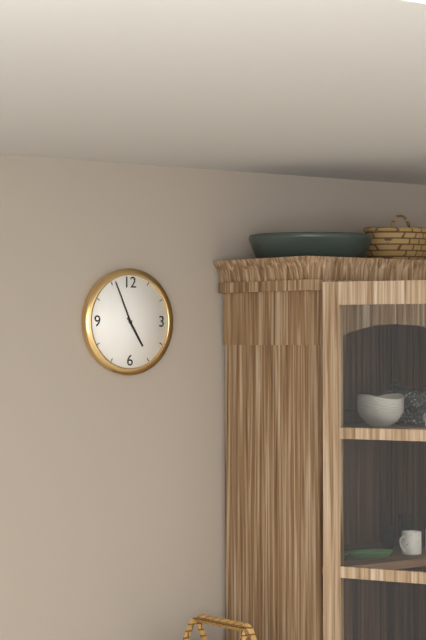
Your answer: **4:56**
